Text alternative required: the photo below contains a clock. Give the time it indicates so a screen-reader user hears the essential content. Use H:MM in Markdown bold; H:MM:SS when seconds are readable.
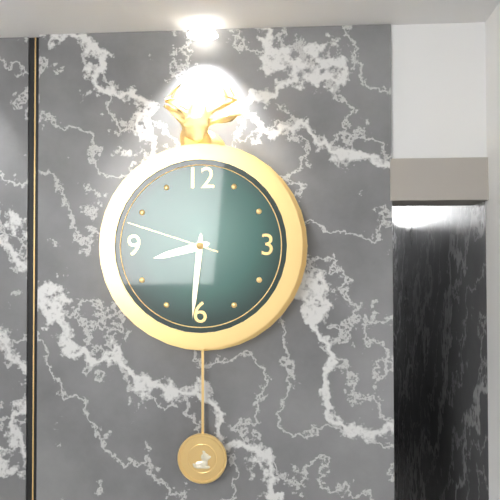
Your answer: **8:31:48**
